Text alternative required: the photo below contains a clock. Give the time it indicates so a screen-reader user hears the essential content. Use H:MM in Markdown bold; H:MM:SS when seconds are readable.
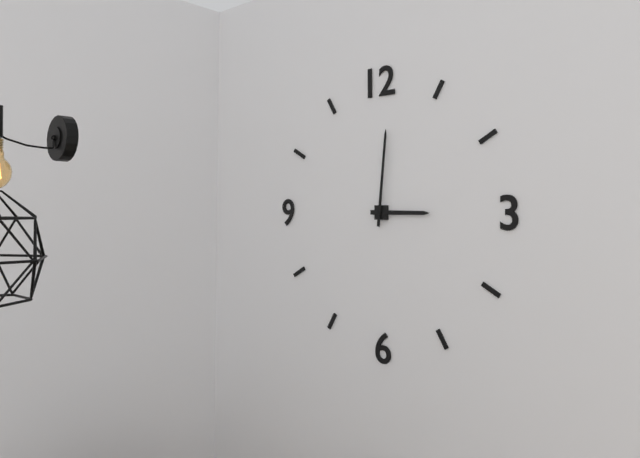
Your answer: **3:01**
